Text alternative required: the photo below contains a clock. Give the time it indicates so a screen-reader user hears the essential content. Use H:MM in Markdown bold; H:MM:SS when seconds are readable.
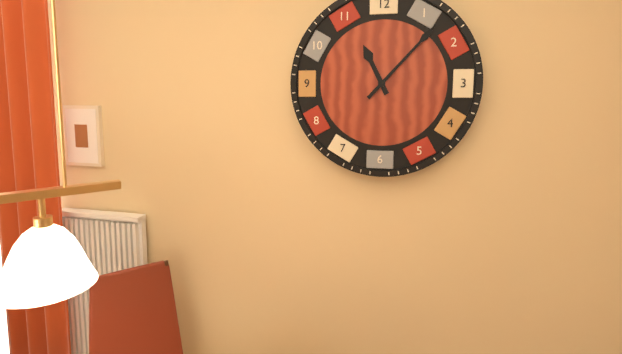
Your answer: **11:07**
